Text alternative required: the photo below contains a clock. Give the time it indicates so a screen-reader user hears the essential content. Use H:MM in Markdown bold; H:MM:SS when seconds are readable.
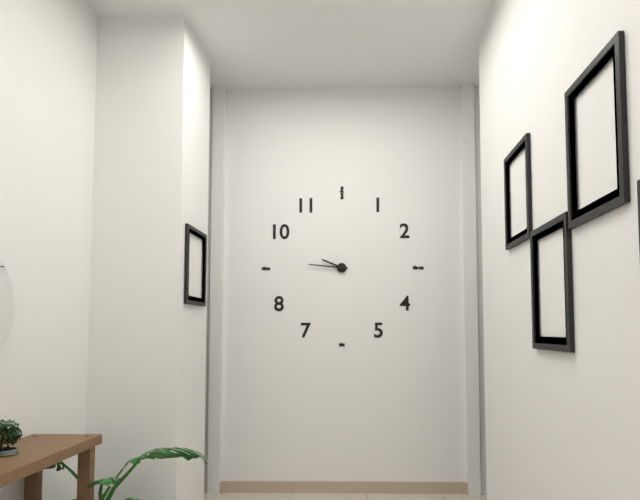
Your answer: **9:46**
